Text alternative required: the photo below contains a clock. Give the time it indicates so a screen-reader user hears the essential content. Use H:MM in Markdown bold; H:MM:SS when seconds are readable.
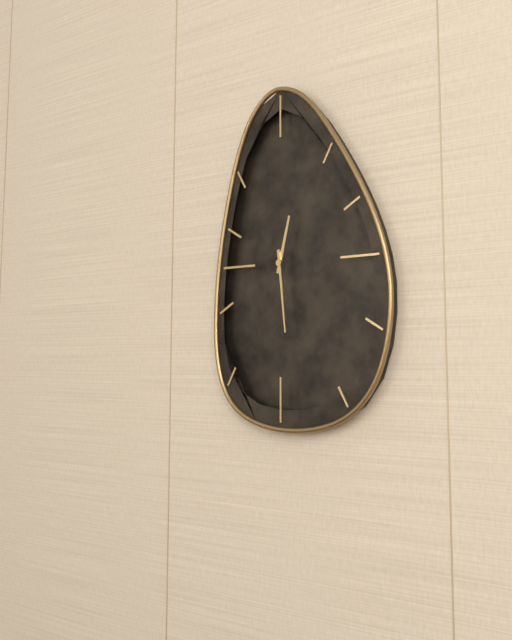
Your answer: **12:29**
